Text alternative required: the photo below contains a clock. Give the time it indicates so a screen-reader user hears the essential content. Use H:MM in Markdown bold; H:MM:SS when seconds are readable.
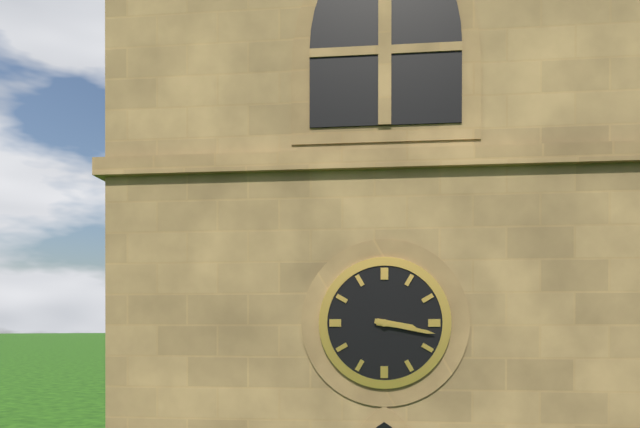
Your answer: **3:17**
